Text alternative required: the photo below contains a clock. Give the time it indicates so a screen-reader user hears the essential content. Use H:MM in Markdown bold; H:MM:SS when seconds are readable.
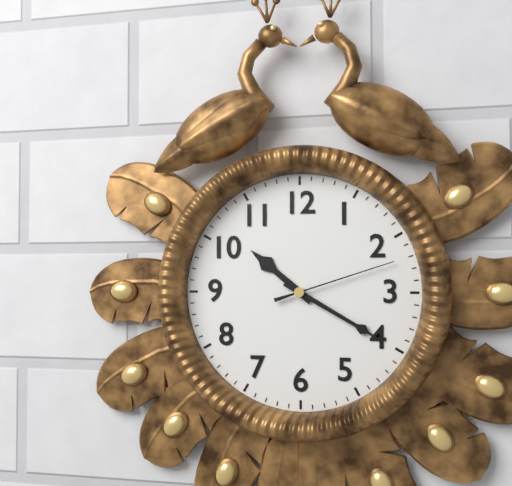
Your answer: **10:20:12**
